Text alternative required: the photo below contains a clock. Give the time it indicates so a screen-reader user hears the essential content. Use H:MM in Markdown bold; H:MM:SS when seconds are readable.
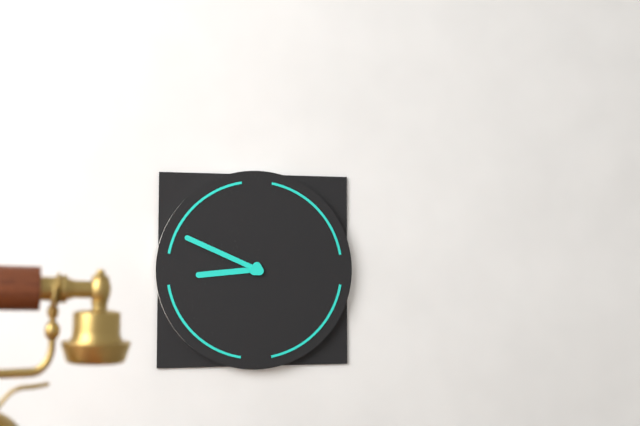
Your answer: **8:49**
